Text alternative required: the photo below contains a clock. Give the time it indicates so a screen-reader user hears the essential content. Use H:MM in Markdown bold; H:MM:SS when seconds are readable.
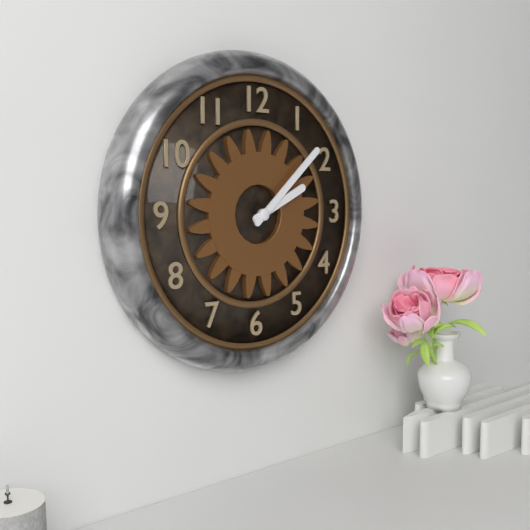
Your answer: **2:08**
